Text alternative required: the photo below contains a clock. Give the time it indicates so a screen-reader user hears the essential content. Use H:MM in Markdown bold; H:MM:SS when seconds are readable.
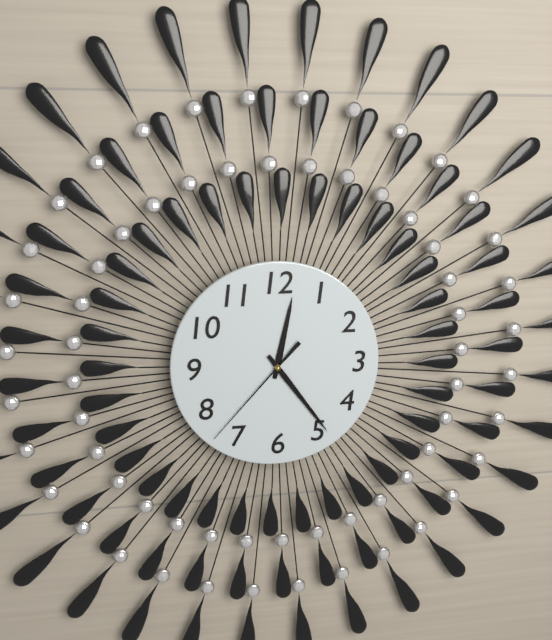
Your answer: **12:24:37**
